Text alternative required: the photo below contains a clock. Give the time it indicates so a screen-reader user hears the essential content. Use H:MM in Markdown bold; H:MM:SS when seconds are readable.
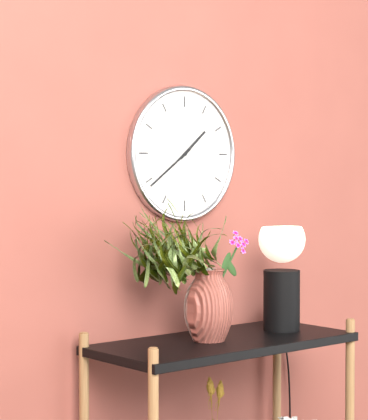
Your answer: **1:39**
